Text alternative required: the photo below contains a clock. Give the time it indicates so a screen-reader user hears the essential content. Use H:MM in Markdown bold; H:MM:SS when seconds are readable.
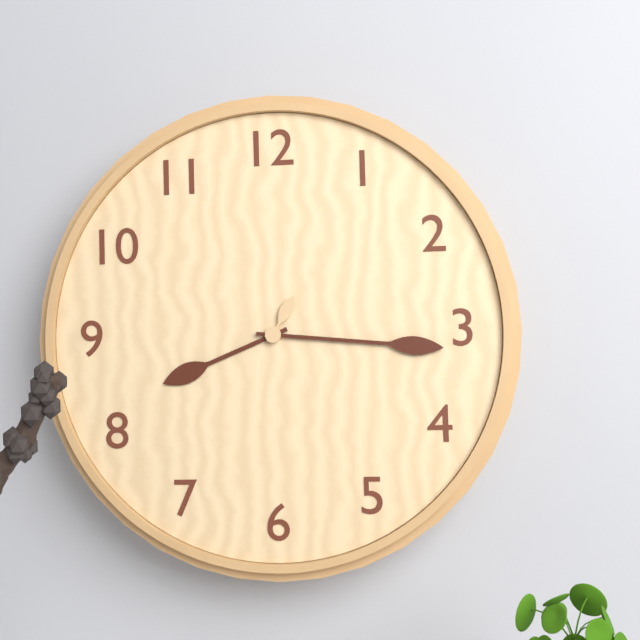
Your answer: **8:16:05**
